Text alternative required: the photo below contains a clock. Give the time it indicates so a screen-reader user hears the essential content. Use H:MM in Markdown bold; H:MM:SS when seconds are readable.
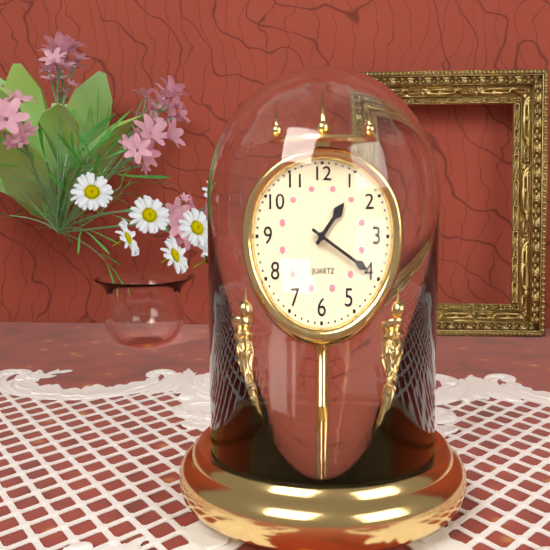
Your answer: **1:20**
